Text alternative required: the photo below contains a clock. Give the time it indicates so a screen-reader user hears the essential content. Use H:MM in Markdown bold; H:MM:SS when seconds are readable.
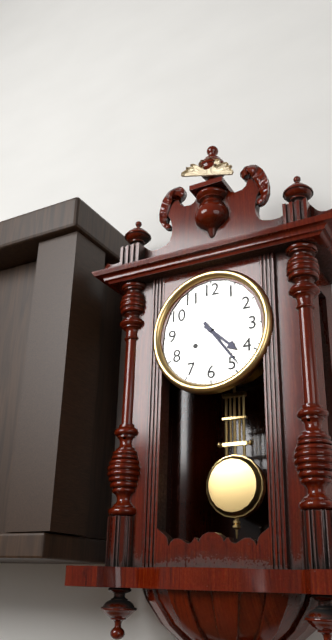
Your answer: **4:24**
